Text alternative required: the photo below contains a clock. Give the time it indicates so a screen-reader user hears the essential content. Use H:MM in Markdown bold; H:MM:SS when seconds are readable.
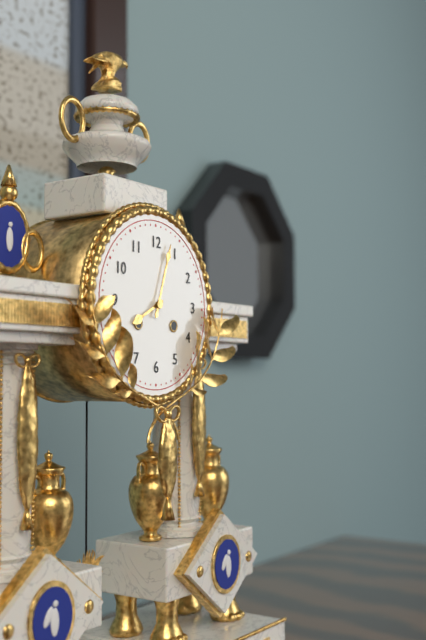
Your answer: **8:03**
